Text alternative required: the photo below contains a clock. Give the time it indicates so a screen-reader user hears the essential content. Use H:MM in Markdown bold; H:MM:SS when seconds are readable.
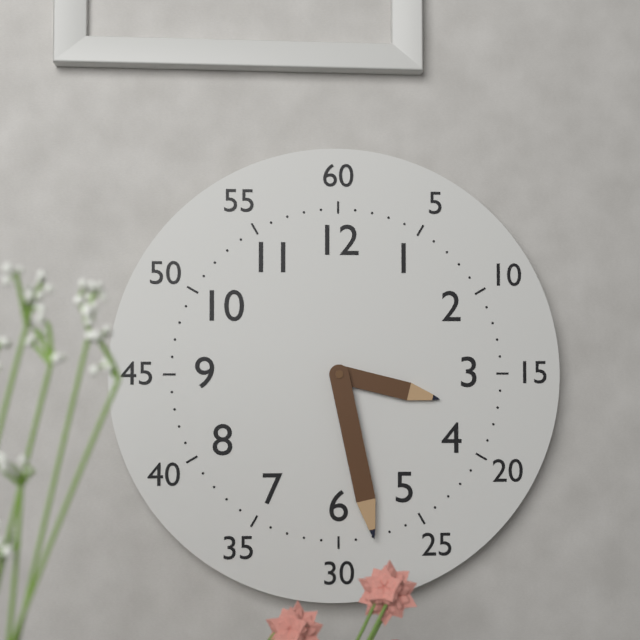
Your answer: **3:28**
